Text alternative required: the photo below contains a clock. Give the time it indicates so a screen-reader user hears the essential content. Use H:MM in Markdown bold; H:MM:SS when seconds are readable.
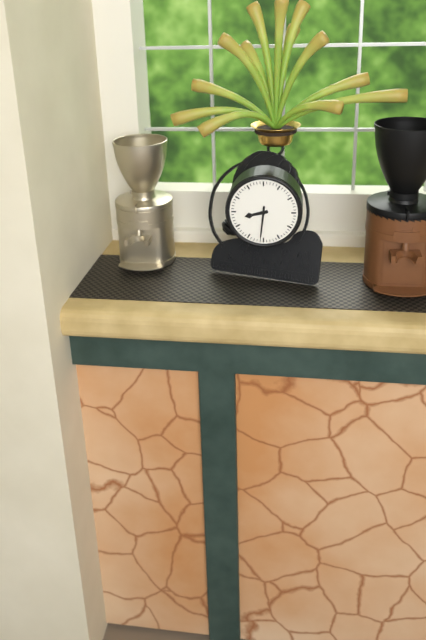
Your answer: **8:31**
